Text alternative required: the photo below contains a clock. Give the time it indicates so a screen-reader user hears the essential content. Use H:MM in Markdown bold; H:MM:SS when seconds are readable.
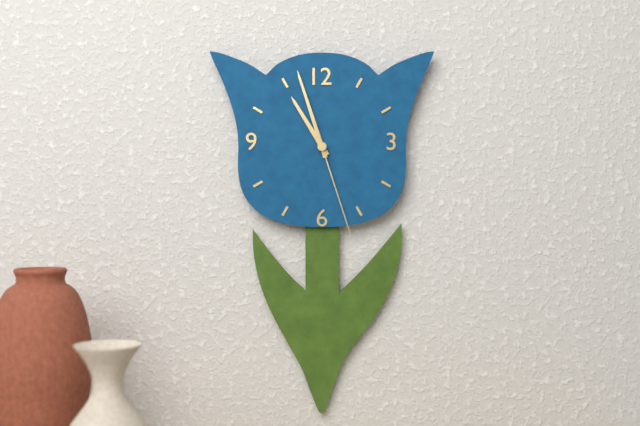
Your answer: **10:57:27**
